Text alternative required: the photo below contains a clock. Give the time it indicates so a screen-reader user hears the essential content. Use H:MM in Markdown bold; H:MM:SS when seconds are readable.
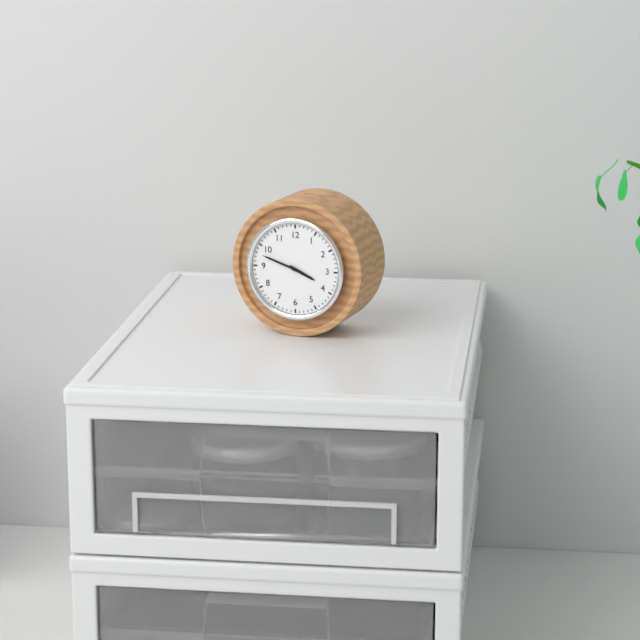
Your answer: **3:48**
